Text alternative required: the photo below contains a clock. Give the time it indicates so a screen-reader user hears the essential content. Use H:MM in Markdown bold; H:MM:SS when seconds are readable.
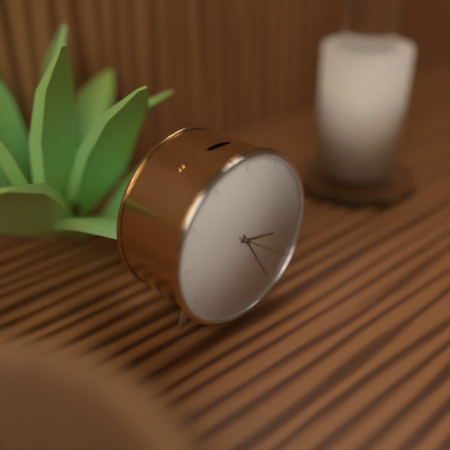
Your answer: **3:25:21**
